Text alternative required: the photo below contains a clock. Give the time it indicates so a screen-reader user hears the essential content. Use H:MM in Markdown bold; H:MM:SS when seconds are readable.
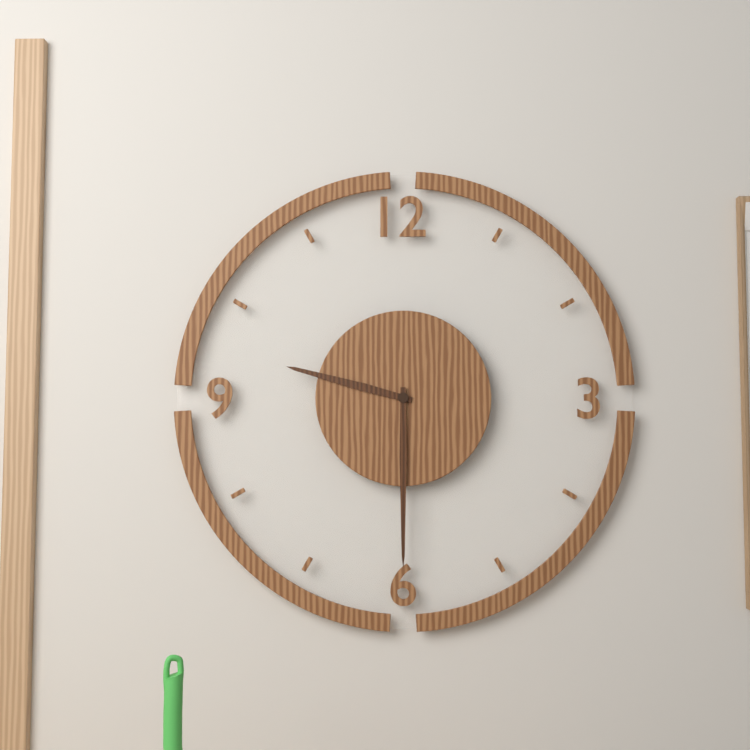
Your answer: **9:30**
